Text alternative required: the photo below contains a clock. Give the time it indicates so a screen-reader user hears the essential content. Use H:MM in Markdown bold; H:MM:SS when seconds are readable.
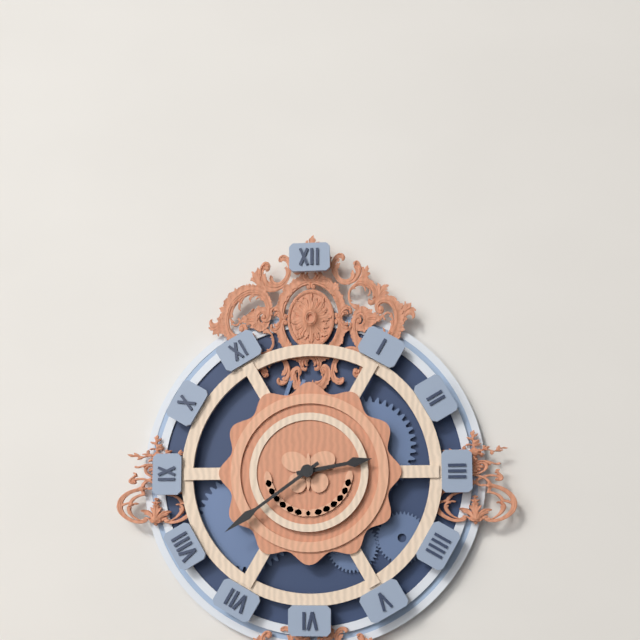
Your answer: **2:39**
